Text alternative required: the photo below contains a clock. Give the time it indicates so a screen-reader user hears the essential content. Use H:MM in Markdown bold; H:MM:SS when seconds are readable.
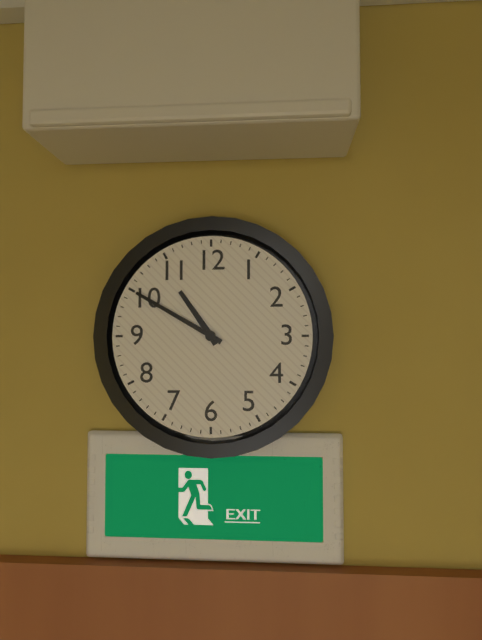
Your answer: **10:50**
